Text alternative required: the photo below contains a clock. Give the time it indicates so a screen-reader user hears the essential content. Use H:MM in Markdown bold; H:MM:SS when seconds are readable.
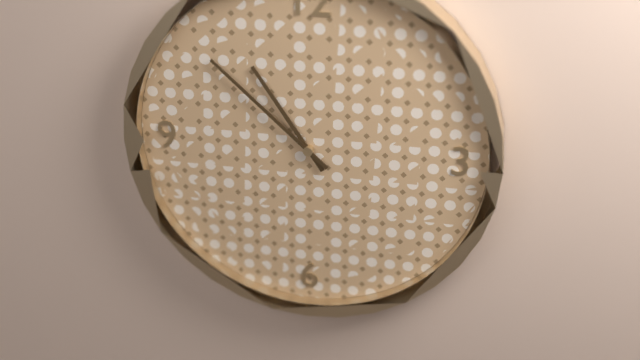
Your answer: **10:52**
